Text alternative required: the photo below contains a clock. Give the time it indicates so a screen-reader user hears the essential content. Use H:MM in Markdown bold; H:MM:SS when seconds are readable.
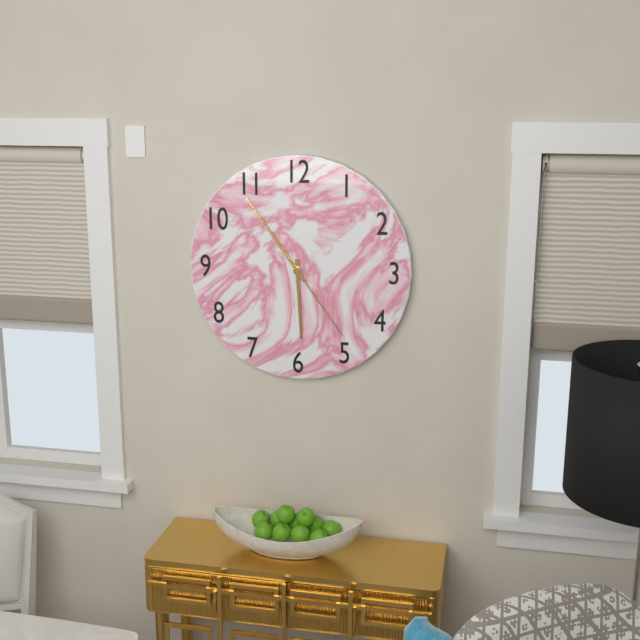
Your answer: **5:54:24**
